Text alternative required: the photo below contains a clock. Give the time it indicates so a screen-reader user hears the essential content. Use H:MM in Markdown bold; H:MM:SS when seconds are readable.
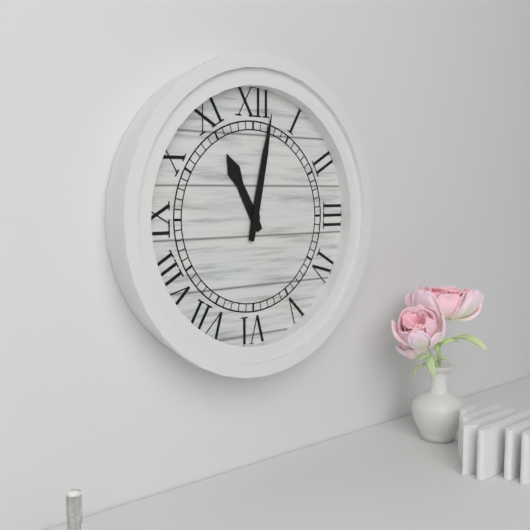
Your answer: **11:02**
